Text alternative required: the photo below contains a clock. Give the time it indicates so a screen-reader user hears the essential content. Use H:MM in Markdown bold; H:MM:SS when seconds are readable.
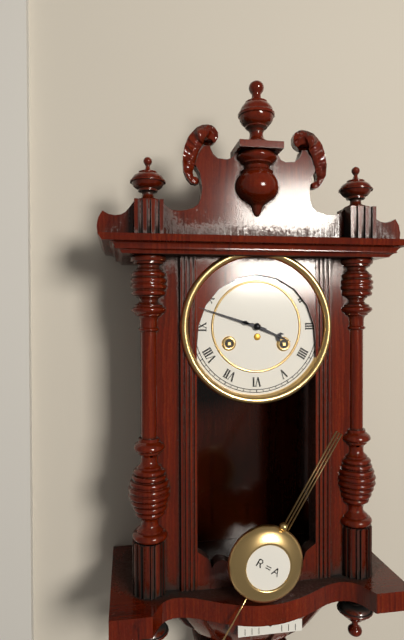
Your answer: **3:48**
